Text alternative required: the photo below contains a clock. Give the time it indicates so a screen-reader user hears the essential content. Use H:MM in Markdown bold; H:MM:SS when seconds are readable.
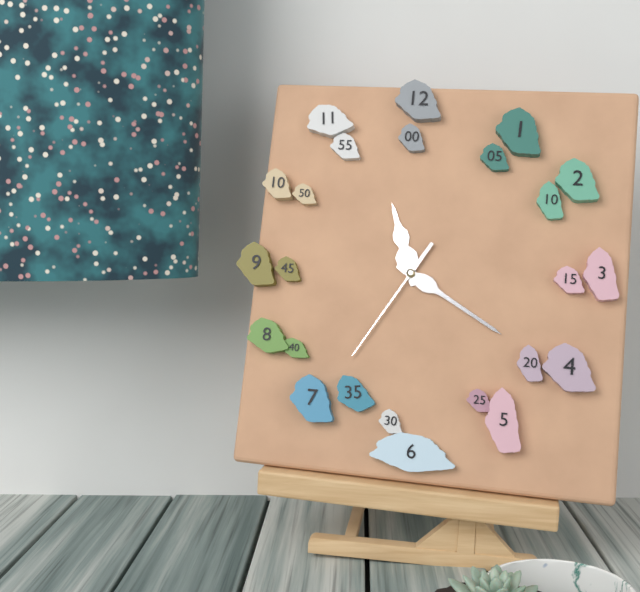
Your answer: **11:20:35**
